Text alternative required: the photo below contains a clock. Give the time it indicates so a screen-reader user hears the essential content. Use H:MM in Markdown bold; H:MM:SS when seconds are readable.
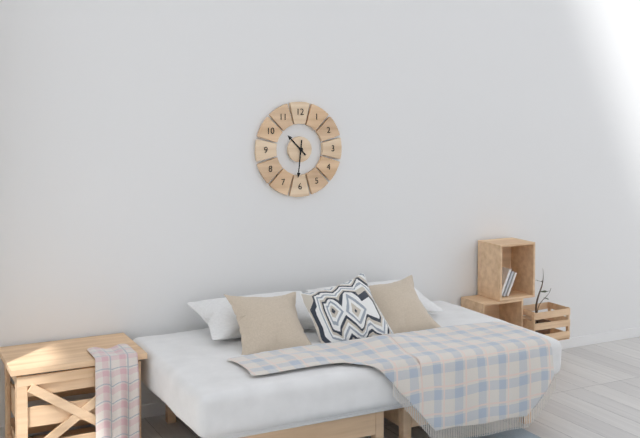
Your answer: **10:31**
